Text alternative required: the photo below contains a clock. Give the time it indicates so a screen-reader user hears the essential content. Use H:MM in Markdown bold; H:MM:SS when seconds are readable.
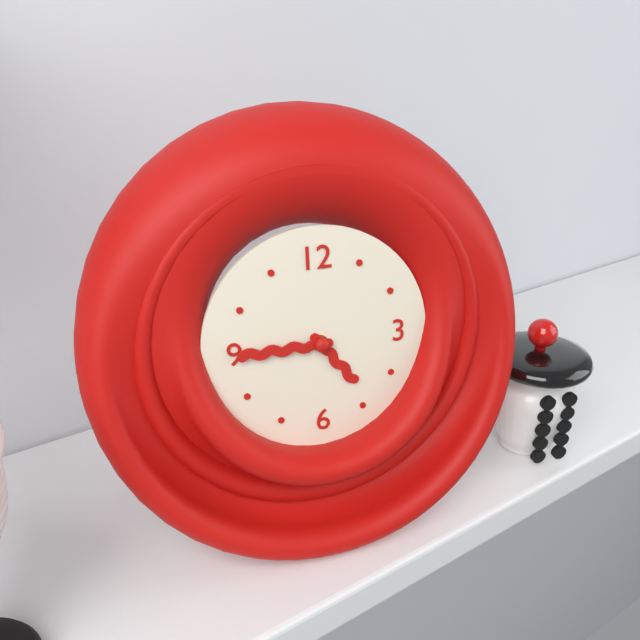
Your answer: **4:45**
